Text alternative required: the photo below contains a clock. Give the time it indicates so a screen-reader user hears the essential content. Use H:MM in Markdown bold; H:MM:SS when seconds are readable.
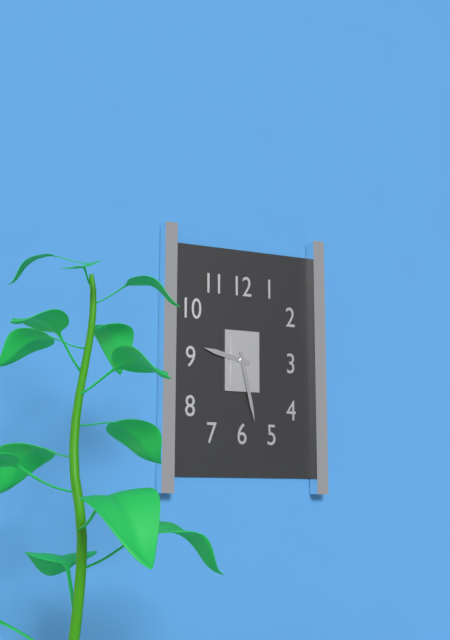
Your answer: **9:28**
